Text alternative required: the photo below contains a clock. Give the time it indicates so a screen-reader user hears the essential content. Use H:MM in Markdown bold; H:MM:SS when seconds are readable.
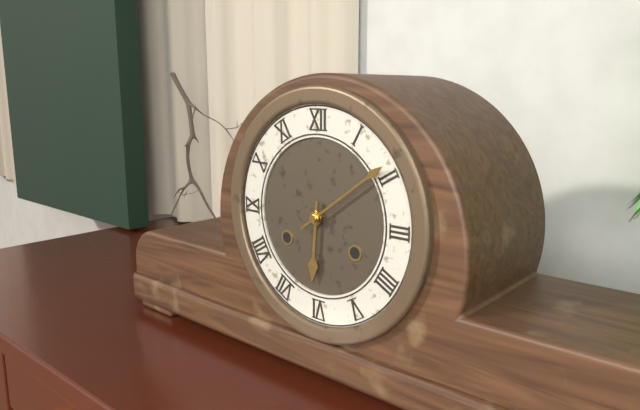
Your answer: **6:09**
